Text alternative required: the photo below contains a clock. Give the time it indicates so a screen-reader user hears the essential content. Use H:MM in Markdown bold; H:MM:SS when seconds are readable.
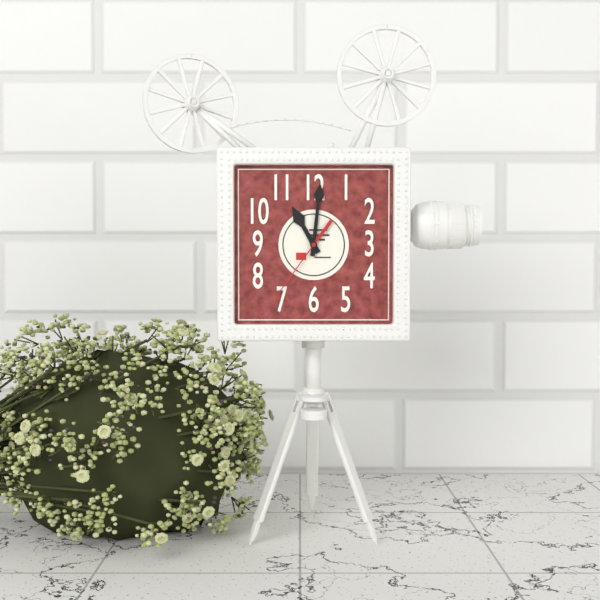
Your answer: **11:01:36**
